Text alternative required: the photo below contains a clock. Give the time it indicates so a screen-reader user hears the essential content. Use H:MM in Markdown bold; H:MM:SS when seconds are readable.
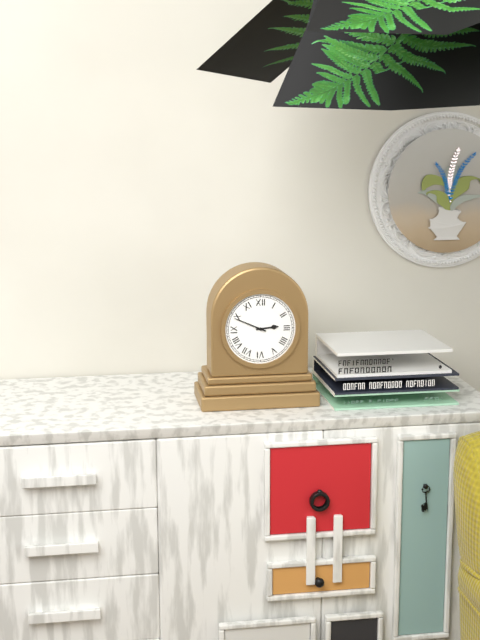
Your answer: **2:49**
